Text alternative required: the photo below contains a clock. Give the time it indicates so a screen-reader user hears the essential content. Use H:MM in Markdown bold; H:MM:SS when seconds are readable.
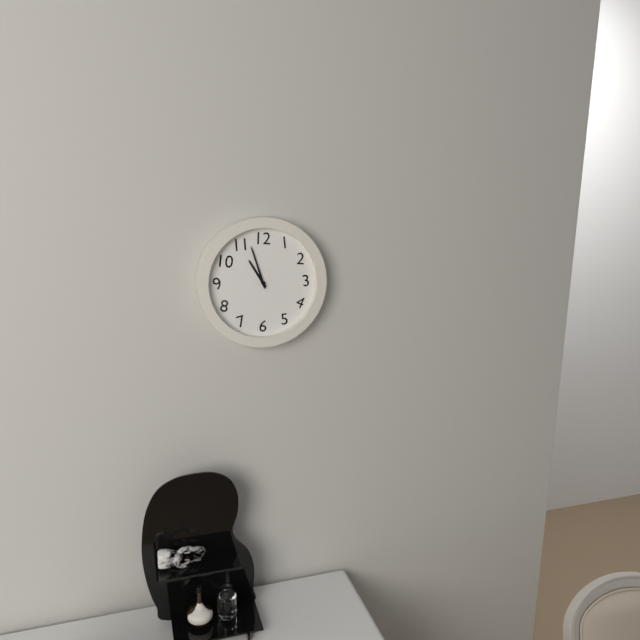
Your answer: **10:57**
